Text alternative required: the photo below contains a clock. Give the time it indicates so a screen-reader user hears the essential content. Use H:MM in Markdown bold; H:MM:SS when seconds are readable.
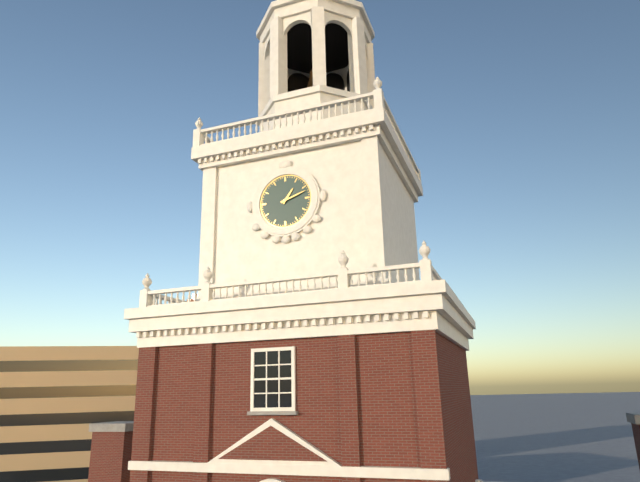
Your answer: **1:12**
